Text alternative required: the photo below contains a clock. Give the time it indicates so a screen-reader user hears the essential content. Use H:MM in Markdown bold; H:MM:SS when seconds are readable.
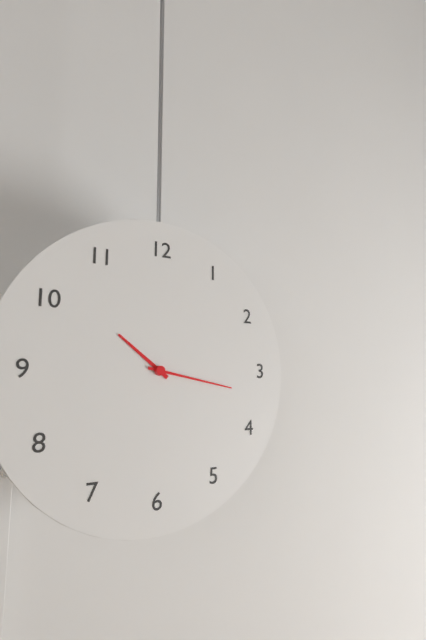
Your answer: **10:17**
